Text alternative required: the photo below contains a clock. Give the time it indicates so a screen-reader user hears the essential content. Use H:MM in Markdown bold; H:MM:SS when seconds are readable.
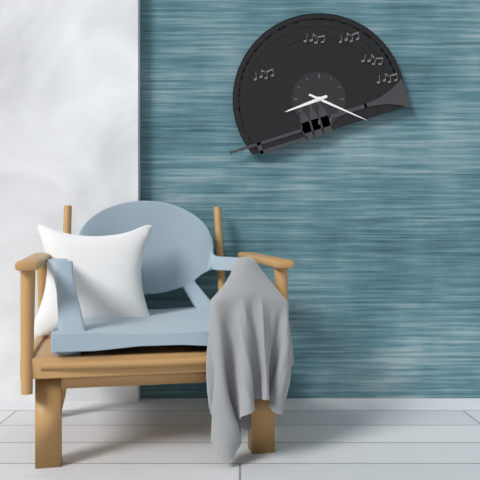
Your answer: **8:19**
